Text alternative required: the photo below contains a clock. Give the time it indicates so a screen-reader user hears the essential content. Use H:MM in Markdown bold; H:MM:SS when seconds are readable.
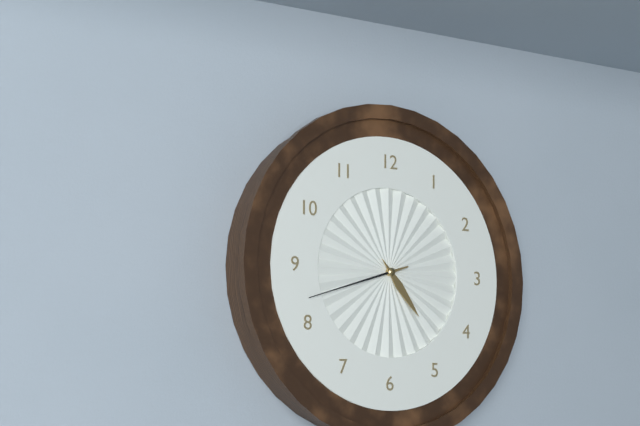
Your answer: **4:42**
